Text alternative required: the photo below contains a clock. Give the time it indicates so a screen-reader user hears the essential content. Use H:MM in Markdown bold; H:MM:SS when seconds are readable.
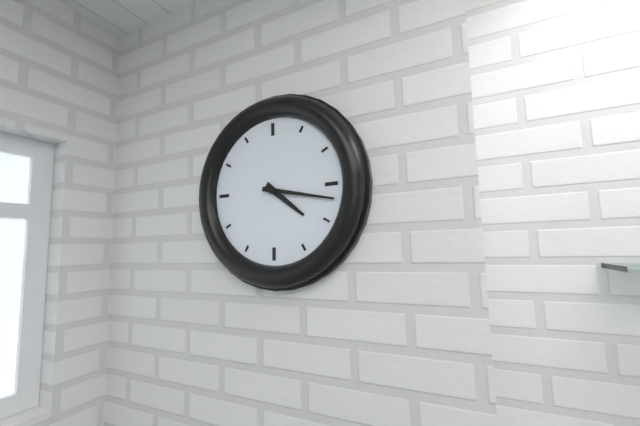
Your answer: **4:17**
